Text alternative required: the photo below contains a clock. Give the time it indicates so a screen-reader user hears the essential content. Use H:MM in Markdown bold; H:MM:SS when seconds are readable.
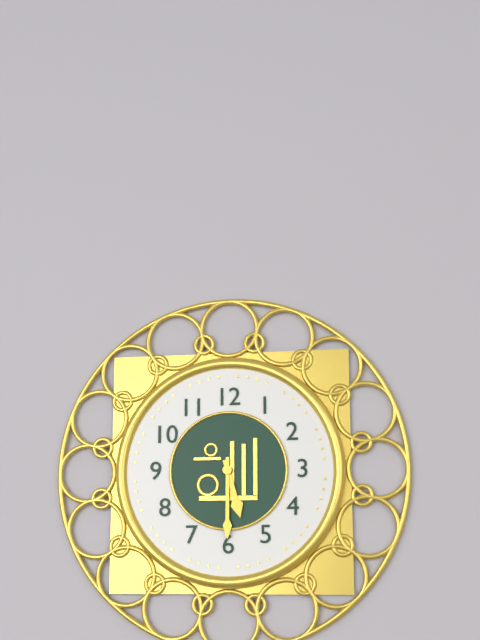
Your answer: **5:30**
